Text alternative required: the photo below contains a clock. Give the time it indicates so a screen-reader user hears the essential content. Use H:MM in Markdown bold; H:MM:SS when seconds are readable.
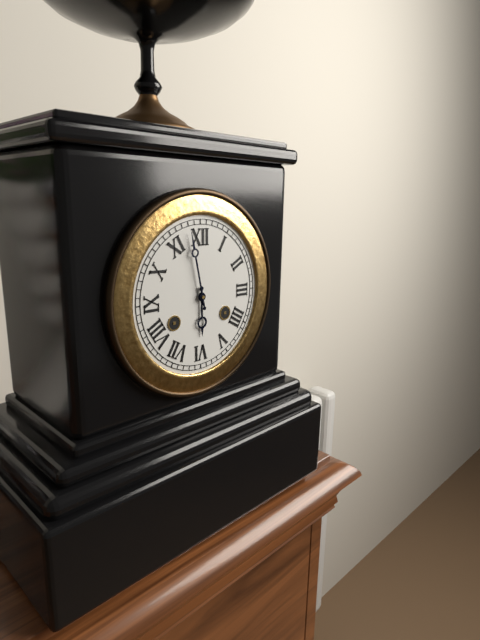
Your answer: **5:58**
